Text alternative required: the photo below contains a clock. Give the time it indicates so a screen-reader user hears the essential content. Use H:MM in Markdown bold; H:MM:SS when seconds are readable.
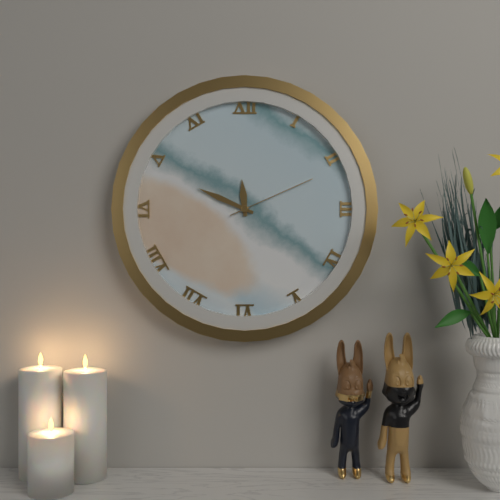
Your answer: **11:49:11**
